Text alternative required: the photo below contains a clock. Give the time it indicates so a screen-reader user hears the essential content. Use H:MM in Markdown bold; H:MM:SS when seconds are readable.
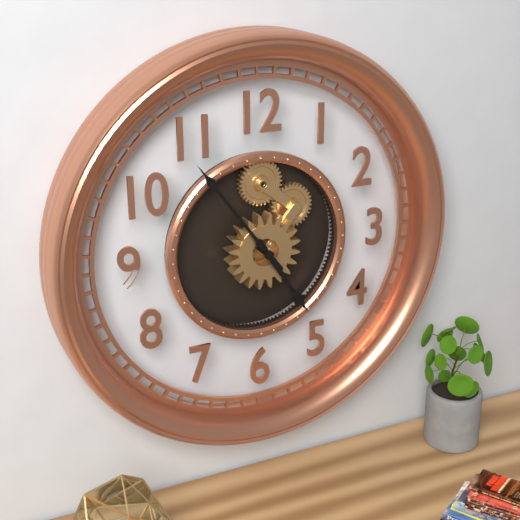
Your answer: **4:54**
